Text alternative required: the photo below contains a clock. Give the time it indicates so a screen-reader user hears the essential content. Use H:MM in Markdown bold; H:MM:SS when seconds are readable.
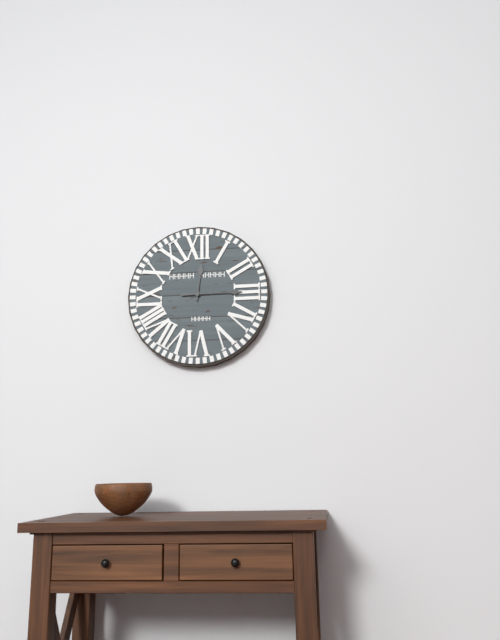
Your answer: **12:15**
